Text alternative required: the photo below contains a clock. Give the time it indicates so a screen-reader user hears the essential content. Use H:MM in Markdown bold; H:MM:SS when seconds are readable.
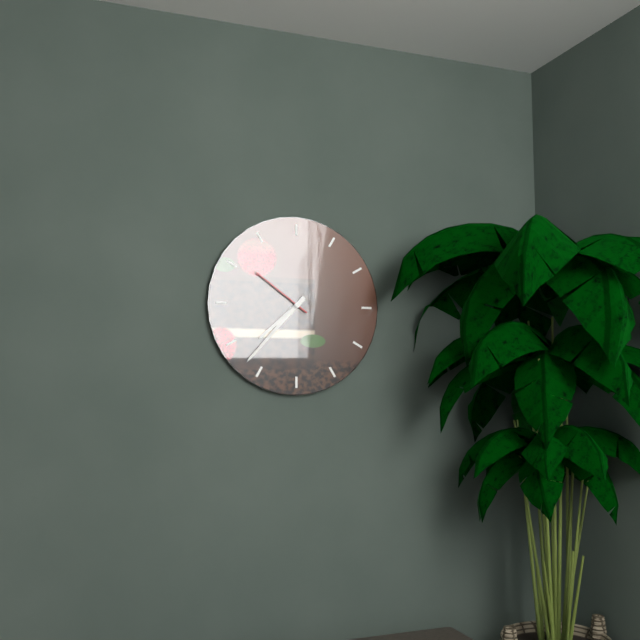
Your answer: **7:37:51**
